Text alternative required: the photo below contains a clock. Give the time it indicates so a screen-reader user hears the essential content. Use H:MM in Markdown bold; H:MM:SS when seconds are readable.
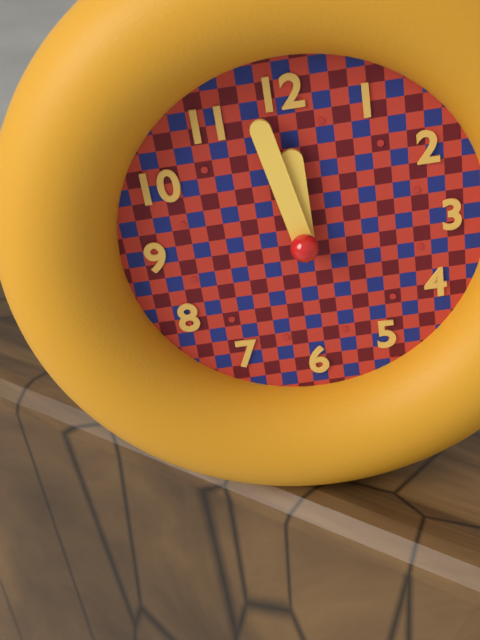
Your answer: **11:58**
